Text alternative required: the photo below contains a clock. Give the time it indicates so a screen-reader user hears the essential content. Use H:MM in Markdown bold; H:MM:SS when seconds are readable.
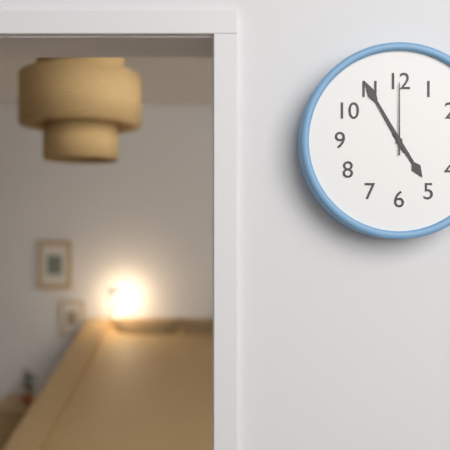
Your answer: **4:55:00**
